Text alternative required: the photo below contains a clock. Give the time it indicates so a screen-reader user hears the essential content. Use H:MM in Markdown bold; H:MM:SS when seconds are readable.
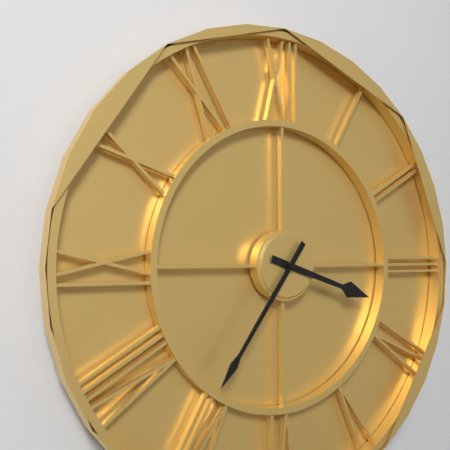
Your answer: **3:36**
